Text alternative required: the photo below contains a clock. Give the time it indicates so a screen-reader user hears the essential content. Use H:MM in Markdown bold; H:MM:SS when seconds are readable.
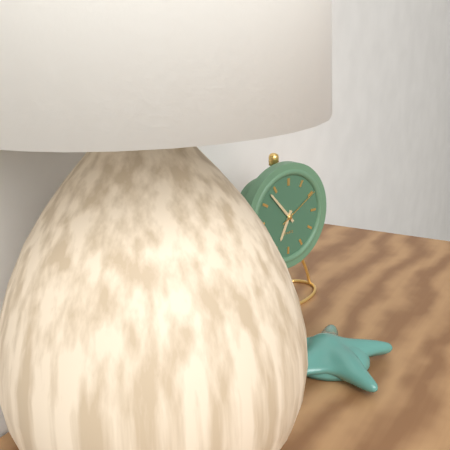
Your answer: **6:53**
